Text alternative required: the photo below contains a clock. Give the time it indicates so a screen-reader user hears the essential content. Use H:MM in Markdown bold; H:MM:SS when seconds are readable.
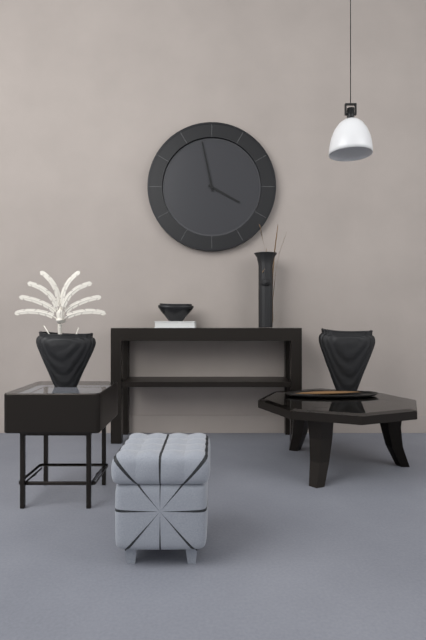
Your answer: **3:58**
